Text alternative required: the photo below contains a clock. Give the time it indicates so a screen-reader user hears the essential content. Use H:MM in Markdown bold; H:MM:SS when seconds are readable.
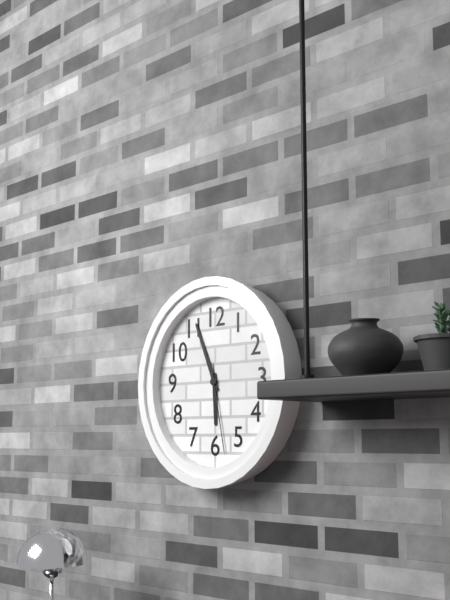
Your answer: **5:56:28**
